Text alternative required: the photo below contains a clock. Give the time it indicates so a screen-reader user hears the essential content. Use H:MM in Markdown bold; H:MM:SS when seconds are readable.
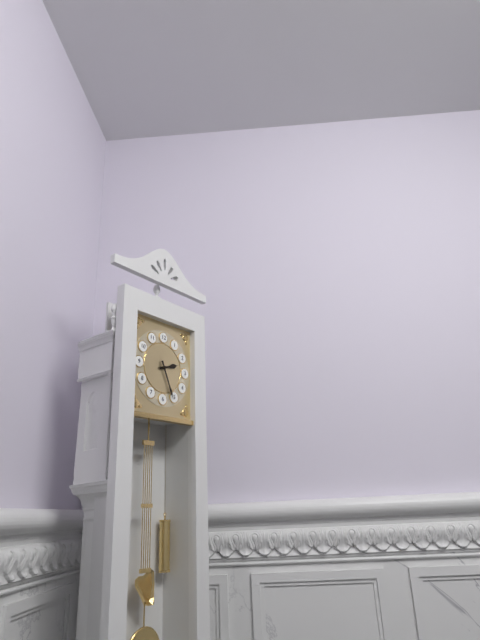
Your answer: **2:26**
